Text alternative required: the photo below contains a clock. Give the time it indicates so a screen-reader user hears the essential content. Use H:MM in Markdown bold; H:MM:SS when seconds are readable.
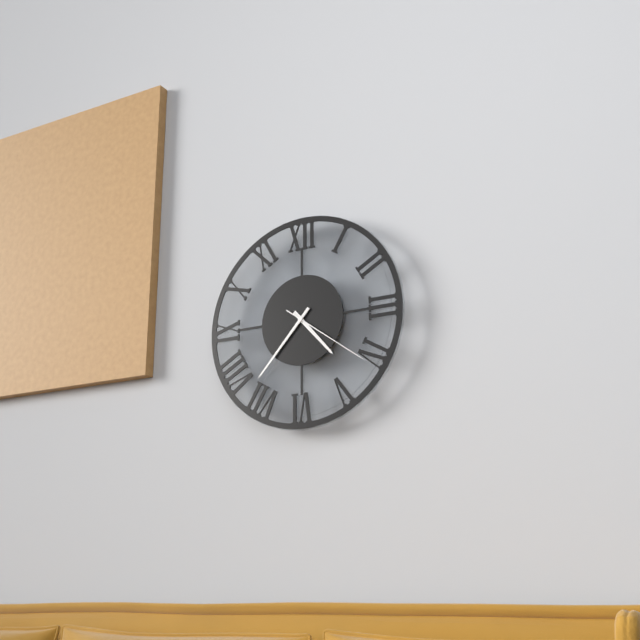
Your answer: **4:37:21**
